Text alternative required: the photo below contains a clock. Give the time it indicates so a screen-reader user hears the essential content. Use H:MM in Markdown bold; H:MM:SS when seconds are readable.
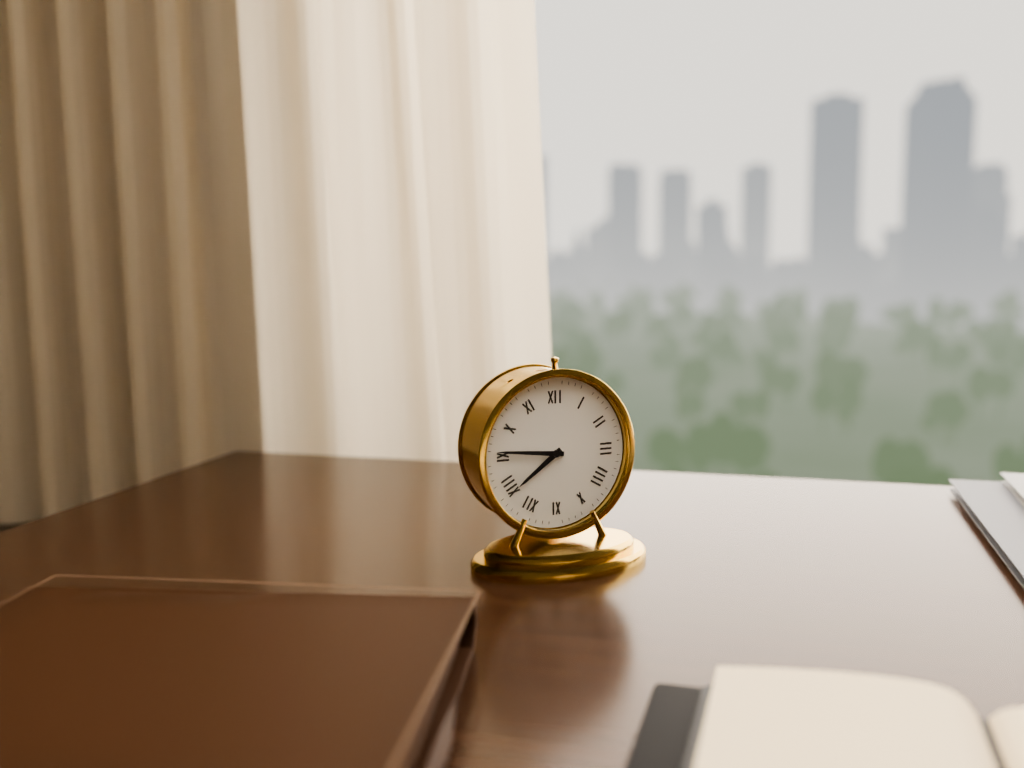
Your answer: **7:46**
